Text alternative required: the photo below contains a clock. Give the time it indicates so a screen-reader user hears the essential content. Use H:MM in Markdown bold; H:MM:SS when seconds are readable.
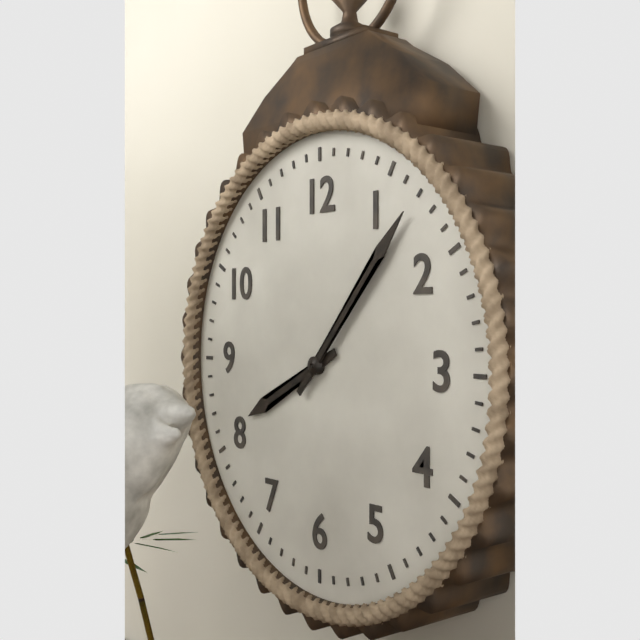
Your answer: **8:07**
